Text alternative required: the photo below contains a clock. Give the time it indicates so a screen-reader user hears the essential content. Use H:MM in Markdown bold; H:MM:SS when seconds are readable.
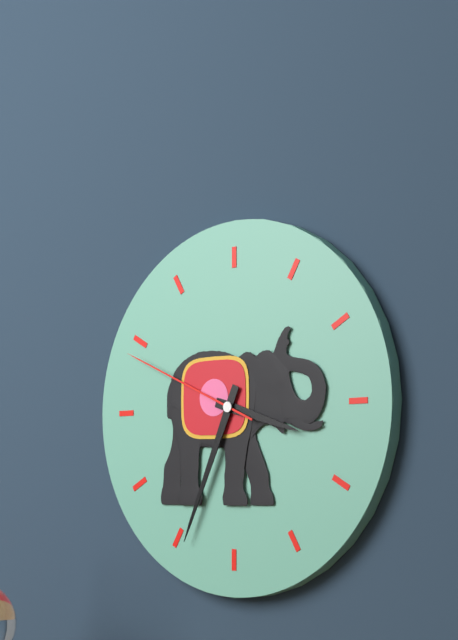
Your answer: **3:34:49**
